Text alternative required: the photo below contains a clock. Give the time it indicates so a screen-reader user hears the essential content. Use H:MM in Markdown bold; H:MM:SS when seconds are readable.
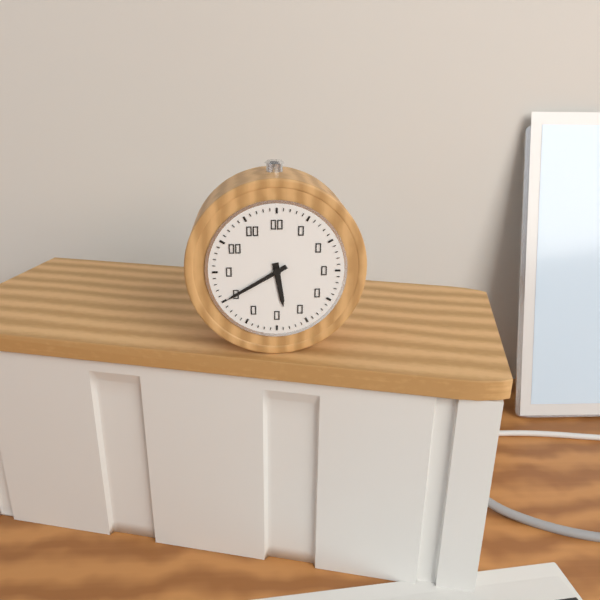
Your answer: **5:40**
